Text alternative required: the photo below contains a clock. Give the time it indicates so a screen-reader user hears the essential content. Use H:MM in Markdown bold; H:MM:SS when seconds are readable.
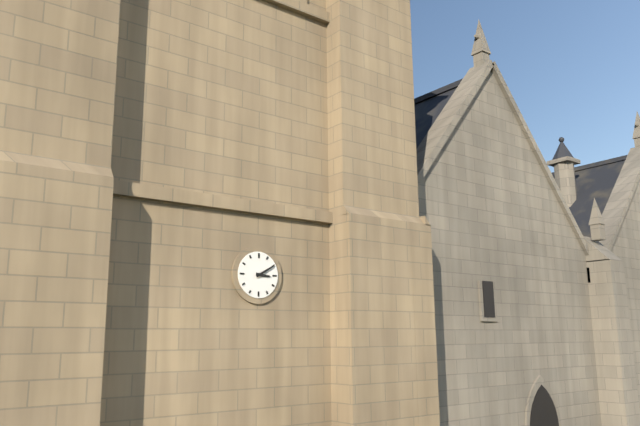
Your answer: **3:10**
